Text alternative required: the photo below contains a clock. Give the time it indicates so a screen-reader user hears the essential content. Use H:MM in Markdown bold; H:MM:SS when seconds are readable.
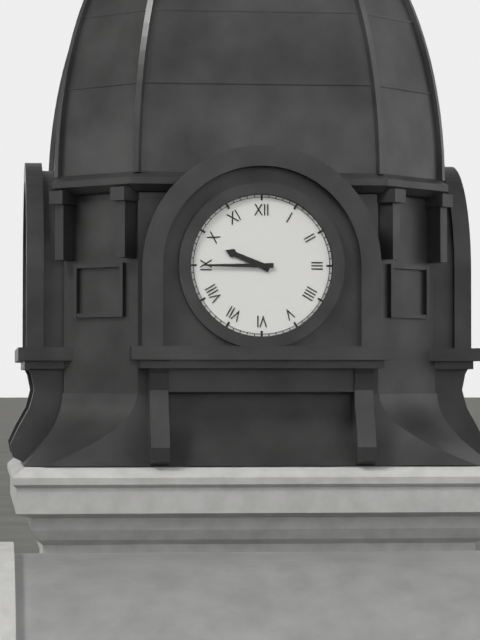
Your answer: **9:45**
